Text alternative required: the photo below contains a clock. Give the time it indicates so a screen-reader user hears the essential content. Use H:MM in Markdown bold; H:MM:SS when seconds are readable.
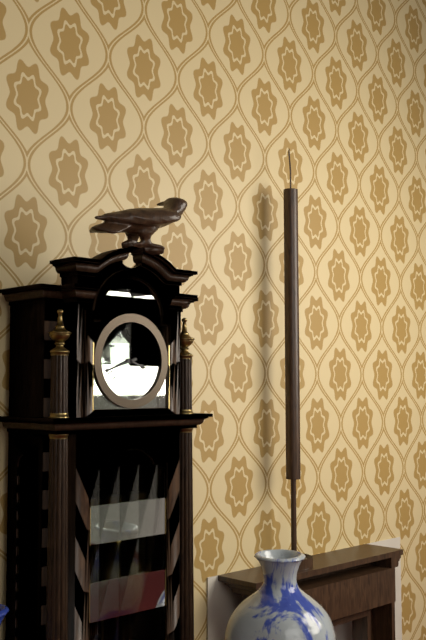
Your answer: **3:42**
